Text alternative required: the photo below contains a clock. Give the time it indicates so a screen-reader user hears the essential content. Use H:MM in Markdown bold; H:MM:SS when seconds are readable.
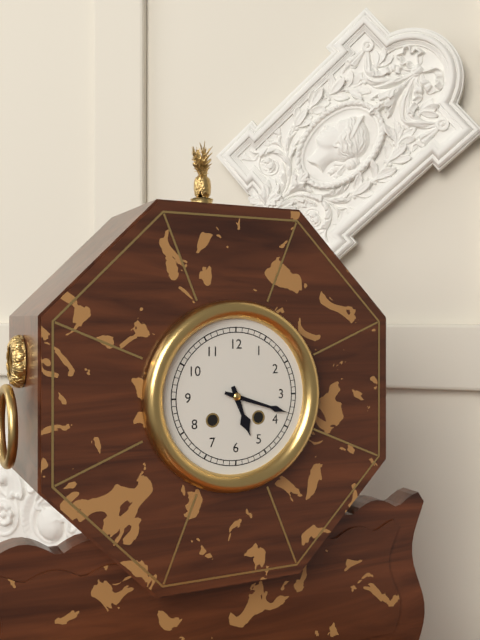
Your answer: **5:18**
